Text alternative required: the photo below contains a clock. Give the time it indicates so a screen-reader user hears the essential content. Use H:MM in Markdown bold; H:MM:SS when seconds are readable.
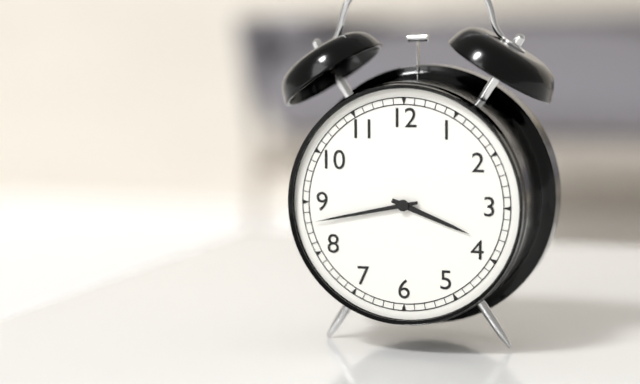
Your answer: **3:43**
